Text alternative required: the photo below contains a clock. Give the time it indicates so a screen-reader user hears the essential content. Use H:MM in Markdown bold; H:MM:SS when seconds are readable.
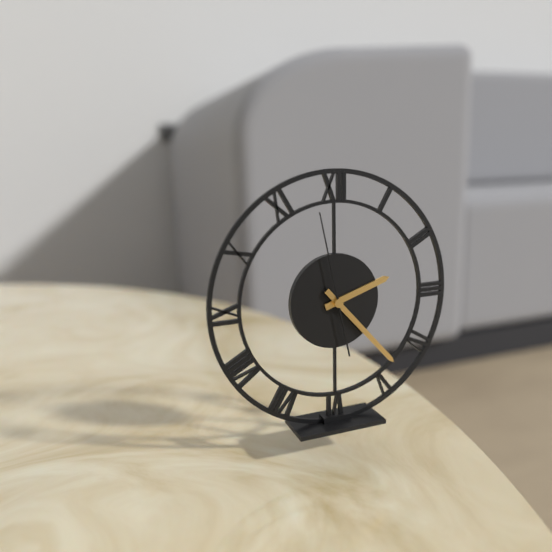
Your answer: **2:23:58**
